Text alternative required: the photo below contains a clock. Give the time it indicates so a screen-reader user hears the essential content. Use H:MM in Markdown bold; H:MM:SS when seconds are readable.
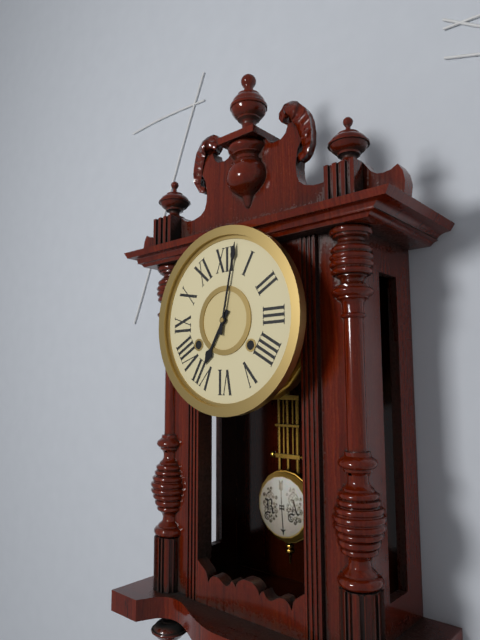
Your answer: **7:02**
